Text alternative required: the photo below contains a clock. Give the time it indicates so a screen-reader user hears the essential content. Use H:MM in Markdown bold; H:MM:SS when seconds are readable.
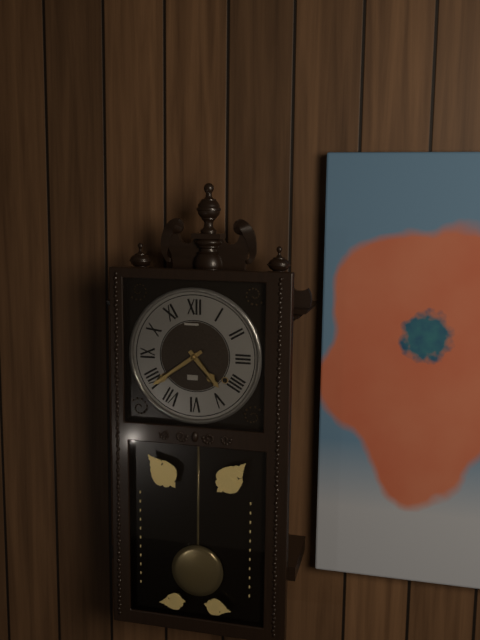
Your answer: **4:39**
